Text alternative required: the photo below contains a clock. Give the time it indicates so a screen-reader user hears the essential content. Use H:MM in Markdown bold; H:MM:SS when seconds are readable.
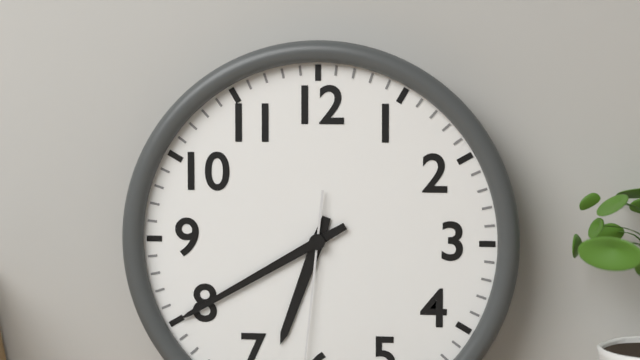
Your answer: **6:40**
